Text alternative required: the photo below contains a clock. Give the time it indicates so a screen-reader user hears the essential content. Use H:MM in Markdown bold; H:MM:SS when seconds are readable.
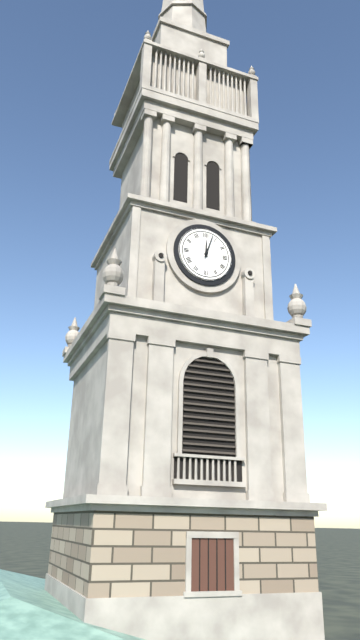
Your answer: **12:03**
